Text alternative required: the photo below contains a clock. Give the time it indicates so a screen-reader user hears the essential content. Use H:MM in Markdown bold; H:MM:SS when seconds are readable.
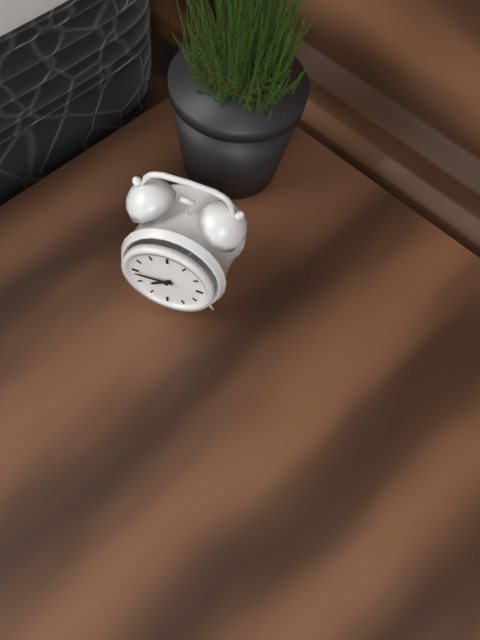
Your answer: **7:44**
